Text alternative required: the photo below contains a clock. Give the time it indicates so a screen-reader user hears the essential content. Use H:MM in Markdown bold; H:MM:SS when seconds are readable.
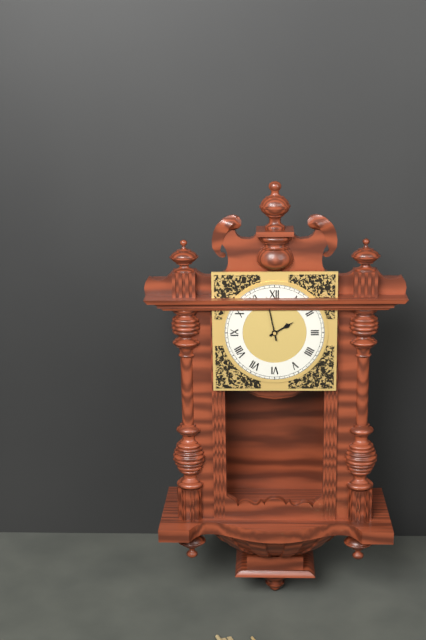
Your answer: **1:58**
